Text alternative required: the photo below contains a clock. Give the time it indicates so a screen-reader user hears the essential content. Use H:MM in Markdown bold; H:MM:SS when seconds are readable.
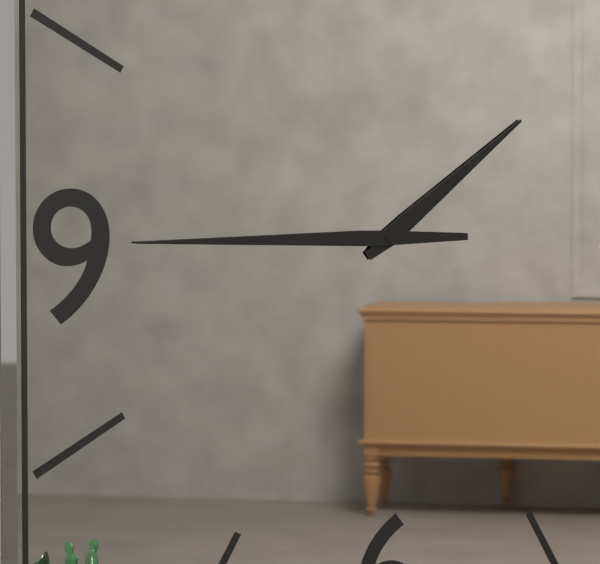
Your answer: **1:45**
